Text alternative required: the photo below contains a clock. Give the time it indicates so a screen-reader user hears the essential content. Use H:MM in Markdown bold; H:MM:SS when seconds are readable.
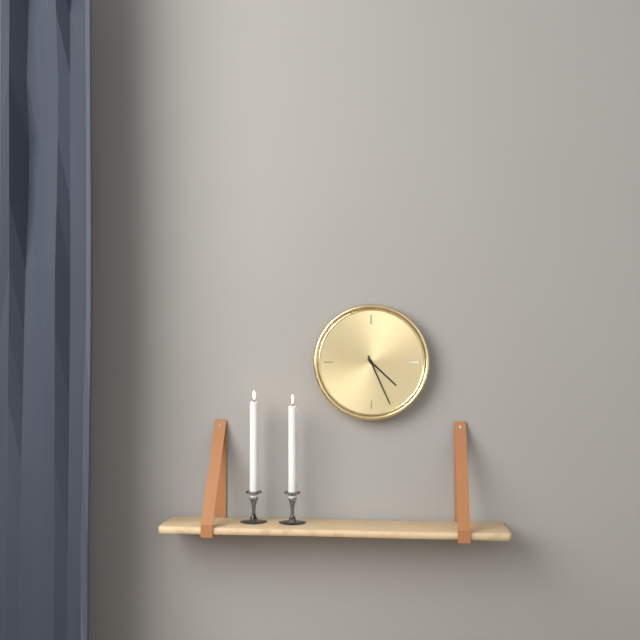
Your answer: **4:26**
